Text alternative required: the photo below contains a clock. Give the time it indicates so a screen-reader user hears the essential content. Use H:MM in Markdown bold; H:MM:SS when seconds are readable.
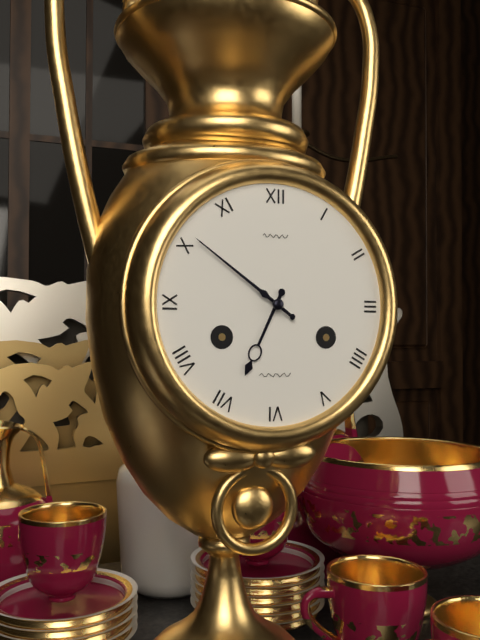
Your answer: **6:51**
